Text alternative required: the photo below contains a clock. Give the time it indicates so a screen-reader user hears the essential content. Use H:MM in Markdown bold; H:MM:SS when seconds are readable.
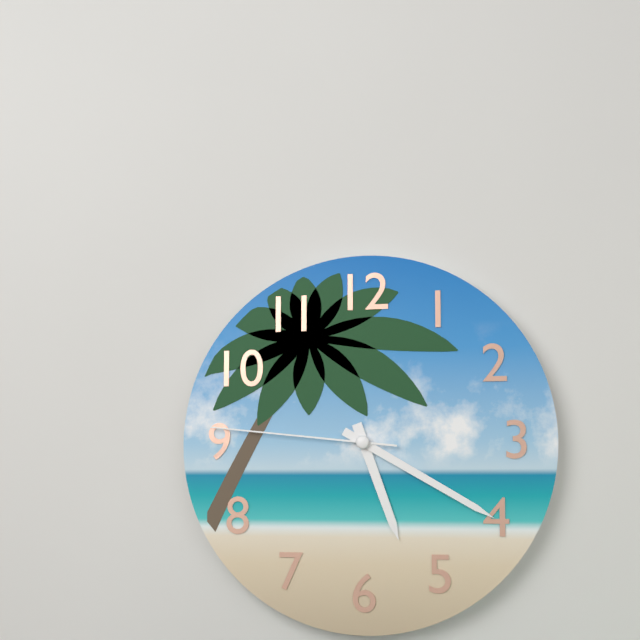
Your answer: **5:20:46**
